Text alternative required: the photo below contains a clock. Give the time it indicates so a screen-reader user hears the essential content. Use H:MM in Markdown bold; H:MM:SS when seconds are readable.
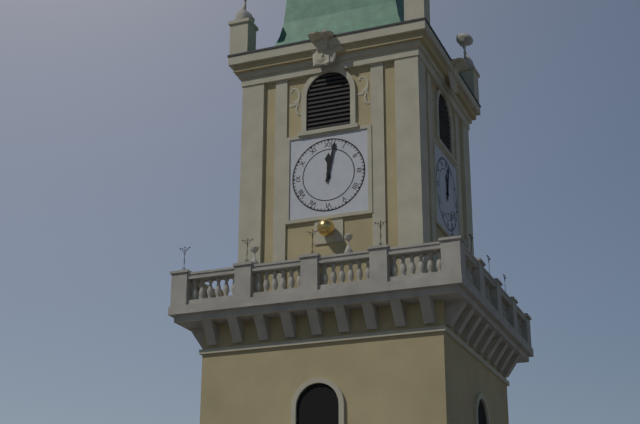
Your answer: **12:02**
